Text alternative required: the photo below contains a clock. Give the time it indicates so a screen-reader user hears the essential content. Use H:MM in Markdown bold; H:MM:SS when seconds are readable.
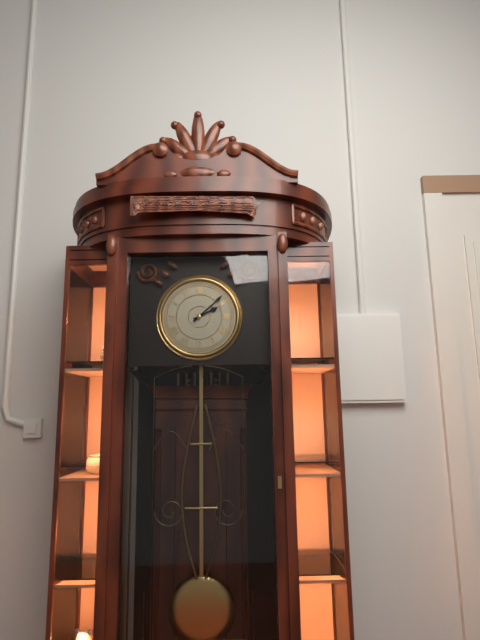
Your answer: **2:08**
